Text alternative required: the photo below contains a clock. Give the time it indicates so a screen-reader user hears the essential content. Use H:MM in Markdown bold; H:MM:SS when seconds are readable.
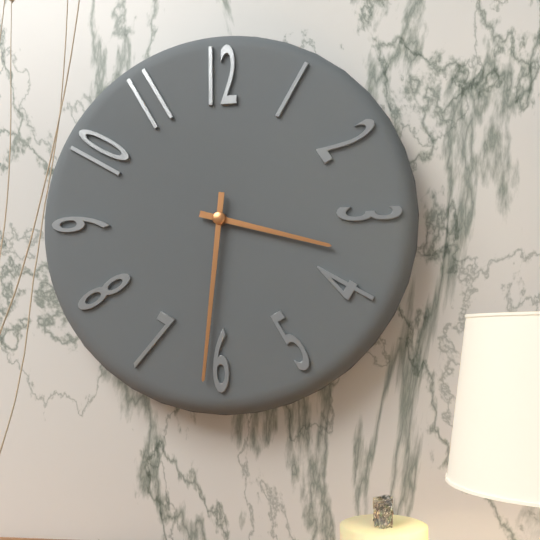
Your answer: **3:31**
